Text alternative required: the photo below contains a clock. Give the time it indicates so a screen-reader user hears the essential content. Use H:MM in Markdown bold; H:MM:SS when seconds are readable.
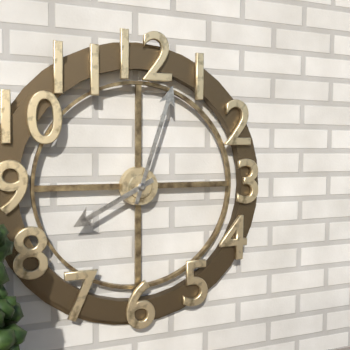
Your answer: **8:03**
